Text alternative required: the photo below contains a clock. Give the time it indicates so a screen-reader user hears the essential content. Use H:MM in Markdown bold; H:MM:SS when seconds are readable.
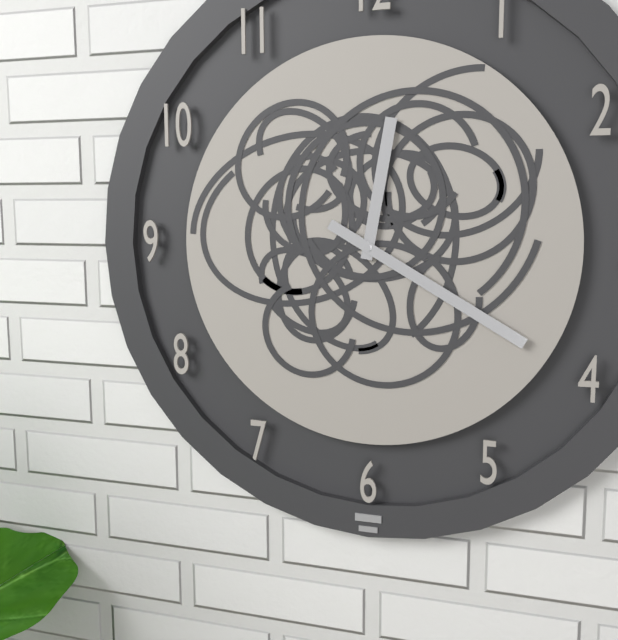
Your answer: **12:20**
